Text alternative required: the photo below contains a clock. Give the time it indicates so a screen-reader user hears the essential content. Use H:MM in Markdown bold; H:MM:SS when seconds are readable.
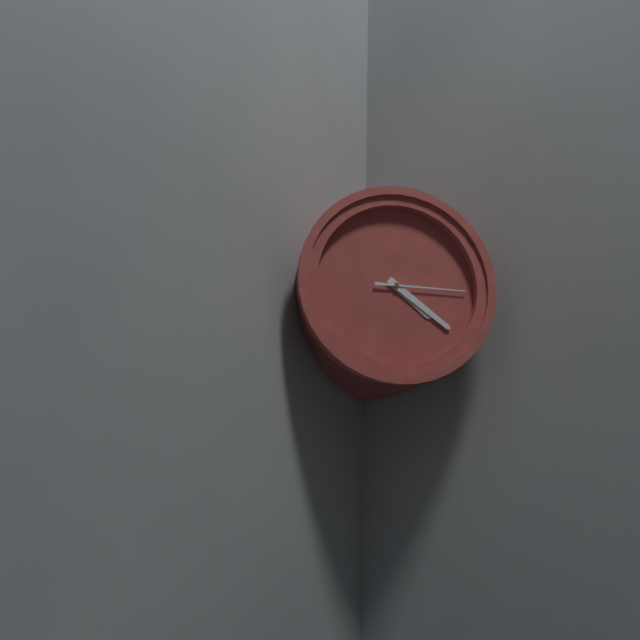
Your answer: **4:21:15**
